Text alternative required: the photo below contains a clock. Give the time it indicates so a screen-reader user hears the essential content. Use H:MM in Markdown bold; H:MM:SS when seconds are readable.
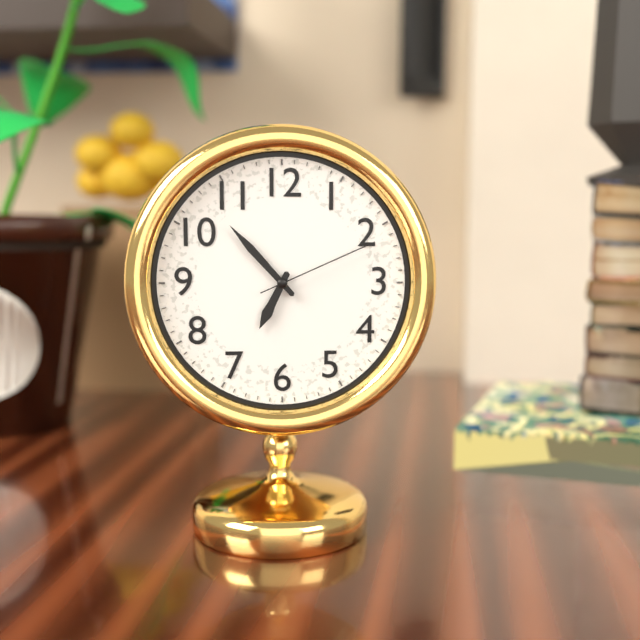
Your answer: **6:53:11**
